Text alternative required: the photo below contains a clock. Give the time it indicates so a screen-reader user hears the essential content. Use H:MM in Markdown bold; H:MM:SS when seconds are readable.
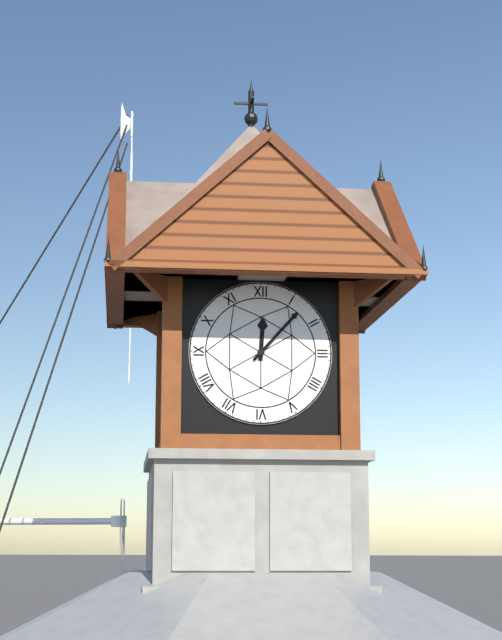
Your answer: **12:07**
